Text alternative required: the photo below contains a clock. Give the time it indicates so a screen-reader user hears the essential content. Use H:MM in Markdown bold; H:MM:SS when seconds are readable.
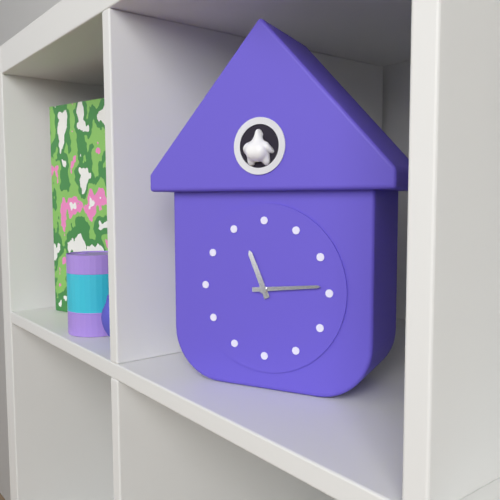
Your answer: **11:14**
